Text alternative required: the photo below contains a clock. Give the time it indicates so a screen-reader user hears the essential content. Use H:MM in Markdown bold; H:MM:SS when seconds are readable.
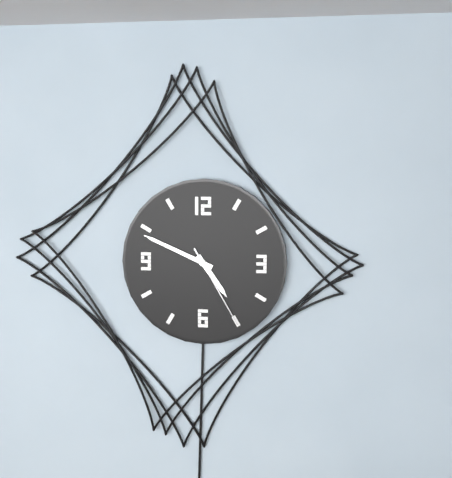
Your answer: **4:49:25**
